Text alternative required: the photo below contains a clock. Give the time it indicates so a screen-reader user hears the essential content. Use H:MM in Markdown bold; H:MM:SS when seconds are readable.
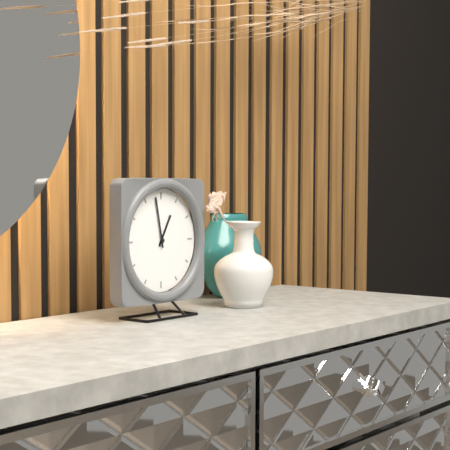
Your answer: **12:58**
